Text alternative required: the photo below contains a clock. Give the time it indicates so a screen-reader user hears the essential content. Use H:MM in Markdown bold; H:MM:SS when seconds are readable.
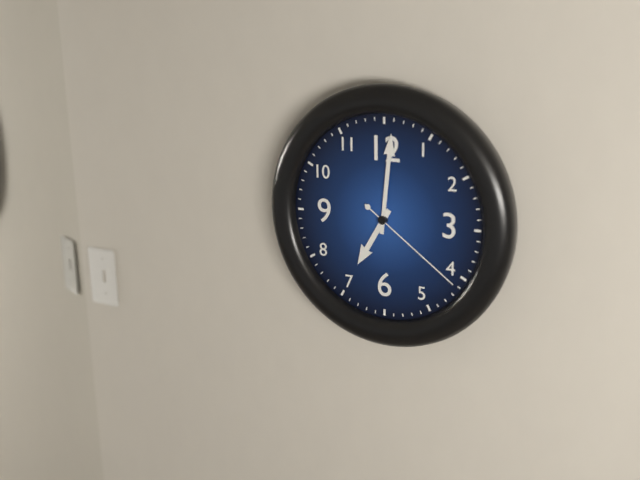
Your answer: **7:01:21**
